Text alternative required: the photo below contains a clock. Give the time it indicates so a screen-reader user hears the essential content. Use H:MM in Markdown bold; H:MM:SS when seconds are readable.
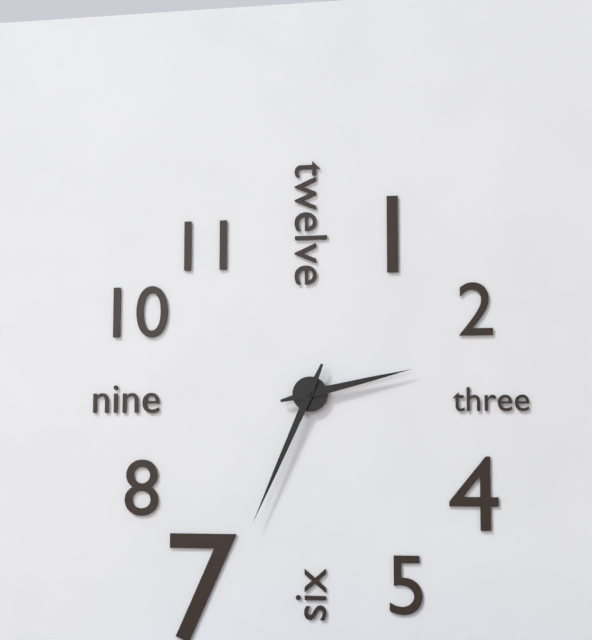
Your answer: **2:34**
